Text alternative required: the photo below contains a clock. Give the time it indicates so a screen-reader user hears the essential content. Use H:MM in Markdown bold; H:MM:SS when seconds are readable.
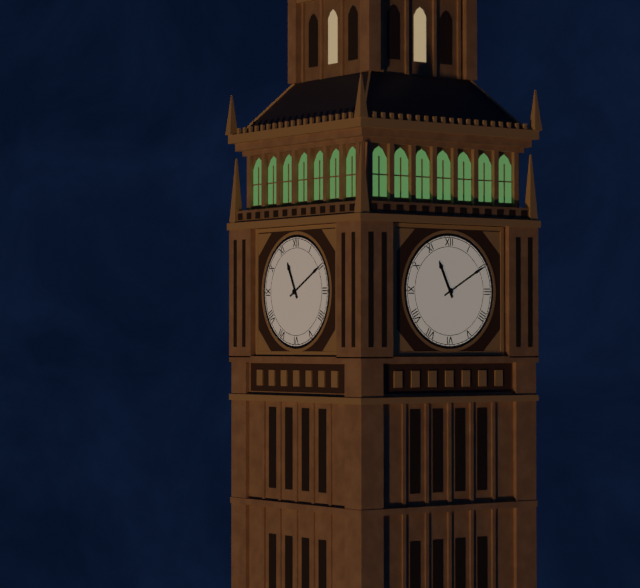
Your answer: **11:10**
